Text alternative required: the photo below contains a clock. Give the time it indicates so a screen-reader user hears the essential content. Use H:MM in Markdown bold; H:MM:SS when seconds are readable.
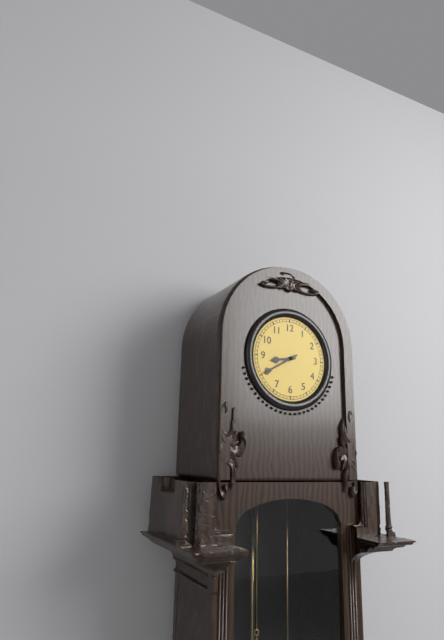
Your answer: **8:40**
